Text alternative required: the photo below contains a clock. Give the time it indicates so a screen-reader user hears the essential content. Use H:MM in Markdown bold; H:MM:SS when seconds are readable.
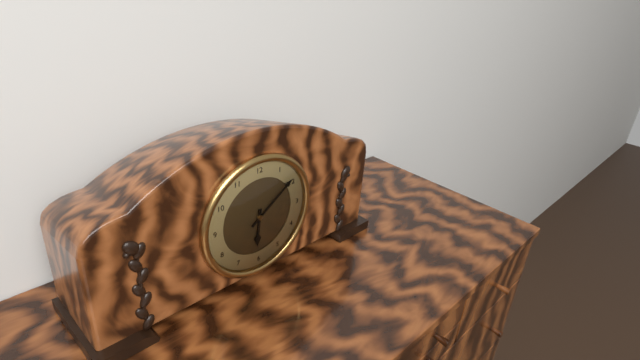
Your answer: **6:09**
